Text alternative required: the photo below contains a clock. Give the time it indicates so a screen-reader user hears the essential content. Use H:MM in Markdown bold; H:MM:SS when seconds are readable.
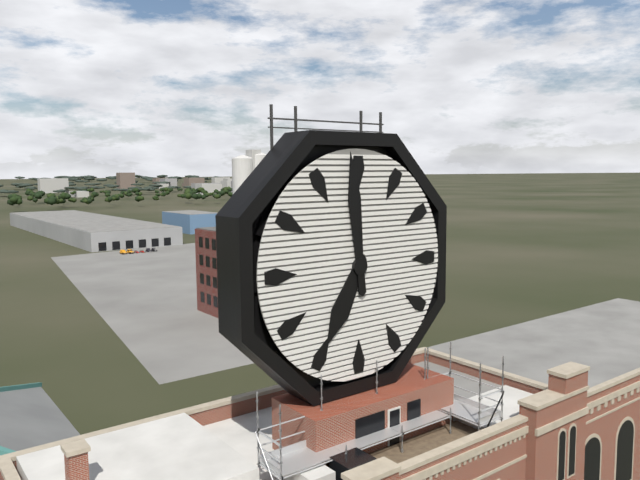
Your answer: **6:59**
